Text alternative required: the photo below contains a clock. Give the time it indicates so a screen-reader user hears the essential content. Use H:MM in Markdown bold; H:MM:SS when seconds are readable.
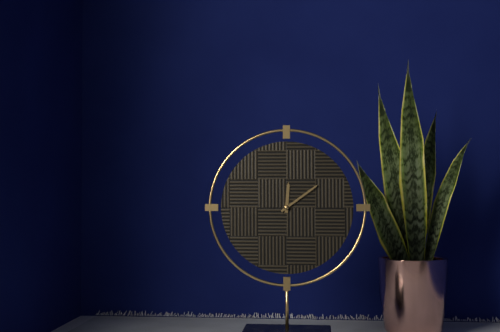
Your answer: **12:09**
